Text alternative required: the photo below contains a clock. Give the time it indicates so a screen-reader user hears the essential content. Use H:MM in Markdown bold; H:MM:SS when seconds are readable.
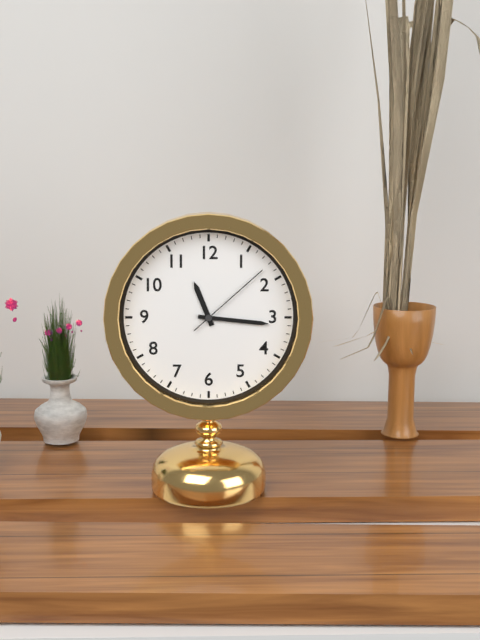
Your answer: **11:16:08**
